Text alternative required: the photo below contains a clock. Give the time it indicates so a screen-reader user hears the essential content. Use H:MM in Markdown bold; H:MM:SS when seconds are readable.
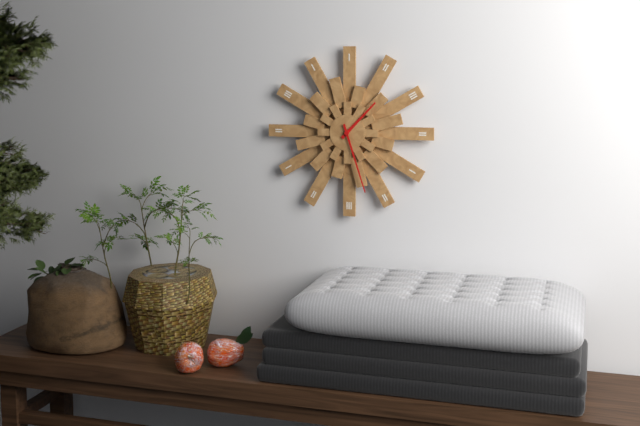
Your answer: **1:27**
